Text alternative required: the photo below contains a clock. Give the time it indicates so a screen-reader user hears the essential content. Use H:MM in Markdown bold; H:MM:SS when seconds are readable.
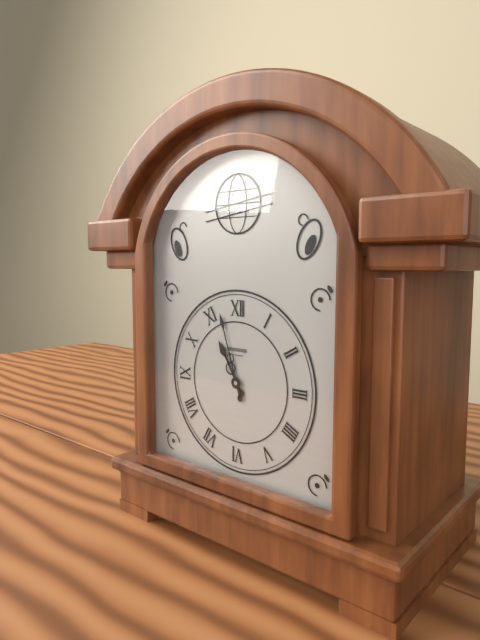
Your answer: **10:57**
